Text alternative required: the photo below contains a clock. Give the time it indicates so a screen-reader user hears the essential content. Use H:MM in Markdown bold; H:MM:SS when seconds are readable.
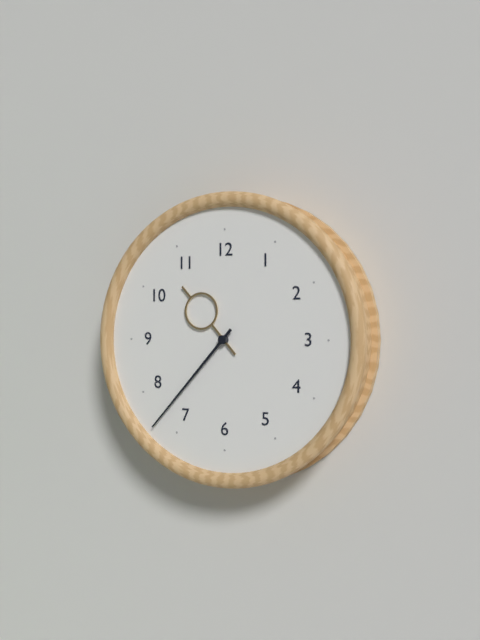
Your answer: **10:37**
